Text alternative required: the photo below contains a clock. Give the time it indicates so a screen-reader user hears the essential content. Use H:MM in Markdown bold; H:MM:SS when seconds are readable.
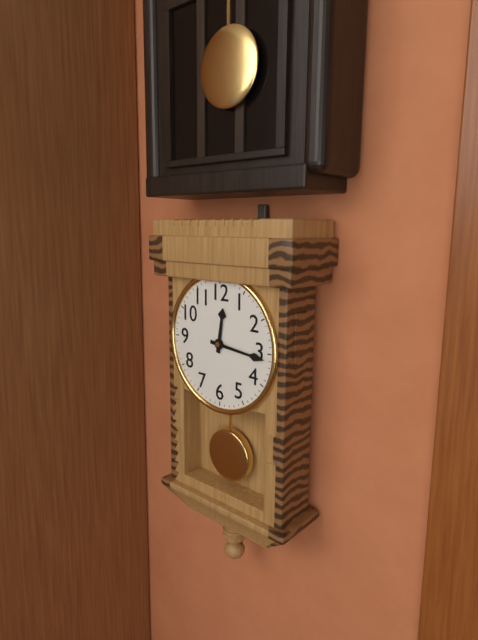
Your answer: **12:16**
